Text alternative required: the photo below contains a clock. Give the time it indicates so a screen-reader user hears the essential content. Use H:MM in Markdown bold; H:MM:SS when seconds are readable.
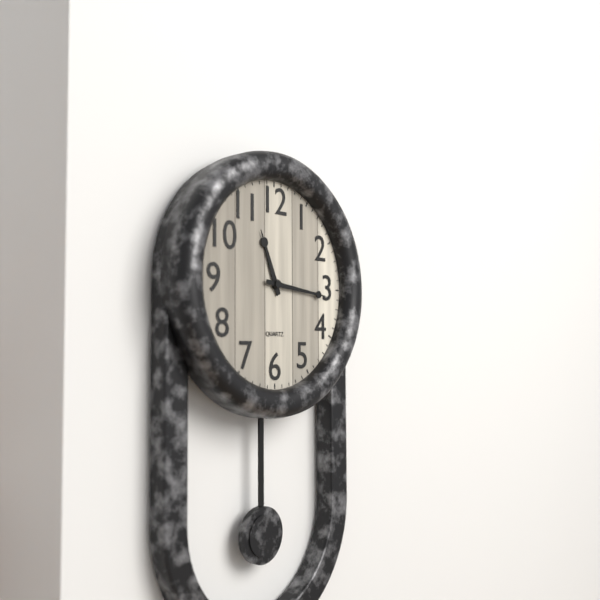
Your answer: **11:16**
